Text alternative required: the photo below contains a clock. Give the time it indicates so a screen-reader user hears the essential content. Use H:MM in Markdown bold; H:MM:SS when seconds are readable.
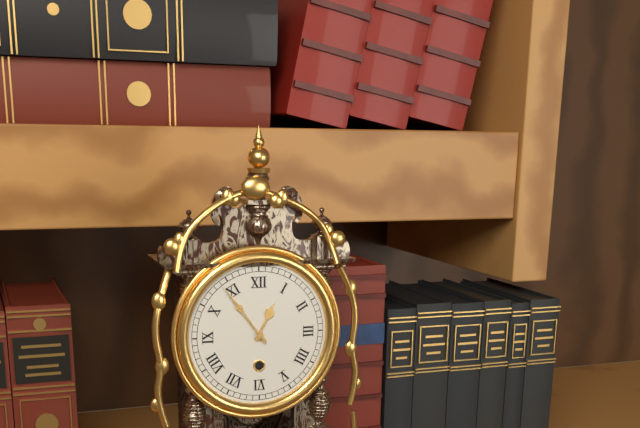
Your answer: **12:54**
